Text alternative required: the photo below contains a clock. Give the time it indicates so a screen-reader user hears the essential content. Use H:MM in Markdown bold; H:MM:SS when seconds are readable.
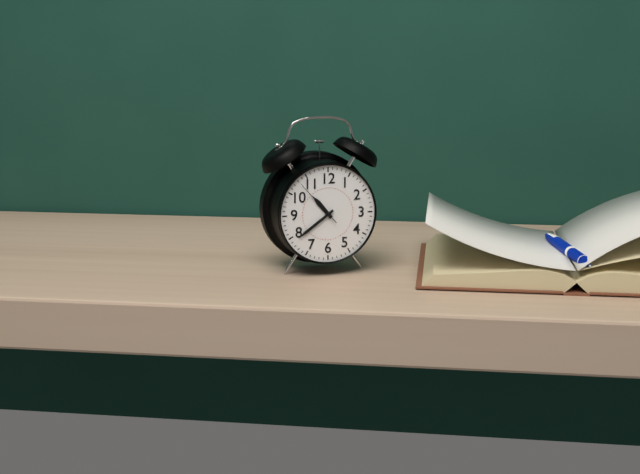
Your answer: **10:39**
